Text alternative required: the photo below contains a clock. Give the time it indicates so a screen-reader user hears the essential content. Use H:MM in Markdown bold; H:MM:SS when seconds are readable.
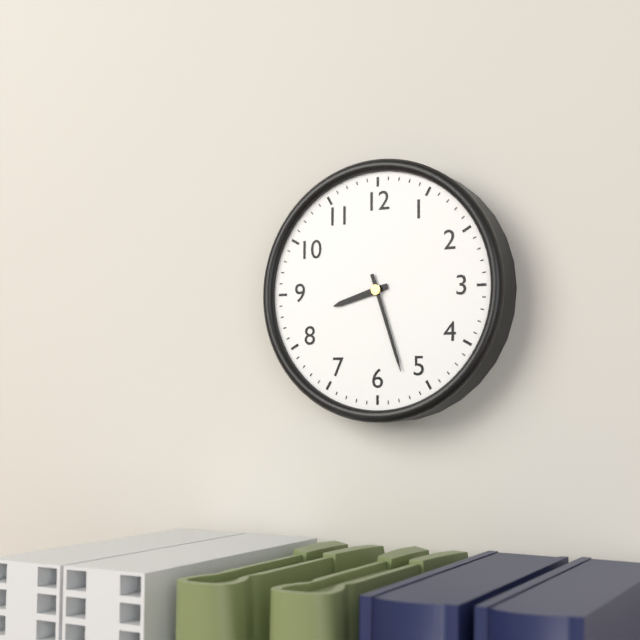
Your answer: **8:27**
